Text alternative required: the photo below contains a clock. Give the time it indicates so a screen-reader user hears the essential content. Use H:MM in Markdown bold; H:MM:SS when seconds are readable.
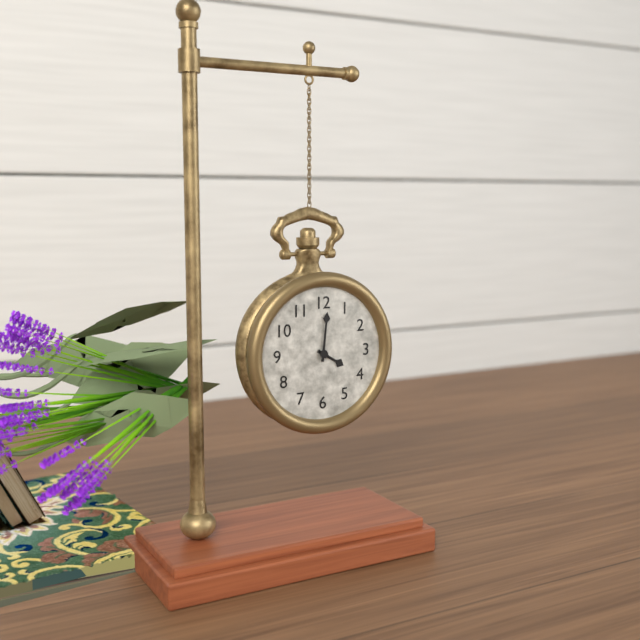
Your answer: **4:01**
